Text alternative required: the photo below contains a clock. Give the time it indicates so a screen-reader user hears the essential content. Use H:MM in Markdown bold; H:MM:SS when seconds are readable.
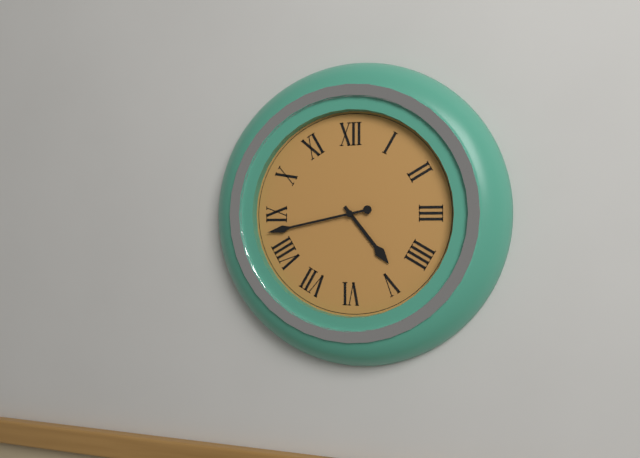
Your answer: **4:43**
